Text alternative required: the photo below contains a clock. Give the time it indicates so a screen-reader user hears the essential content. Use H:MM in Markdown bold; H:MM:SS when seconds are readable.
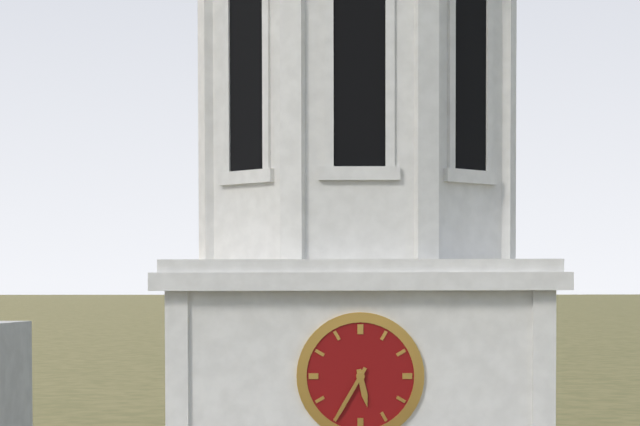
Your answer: **5:35**
